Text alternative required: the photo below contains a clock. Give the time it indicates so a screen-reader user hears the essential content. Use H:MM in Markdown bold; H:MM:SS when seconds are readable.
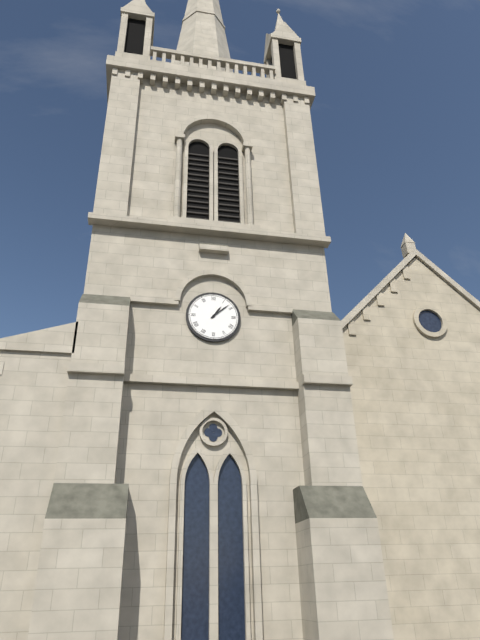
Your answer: **1:08**
